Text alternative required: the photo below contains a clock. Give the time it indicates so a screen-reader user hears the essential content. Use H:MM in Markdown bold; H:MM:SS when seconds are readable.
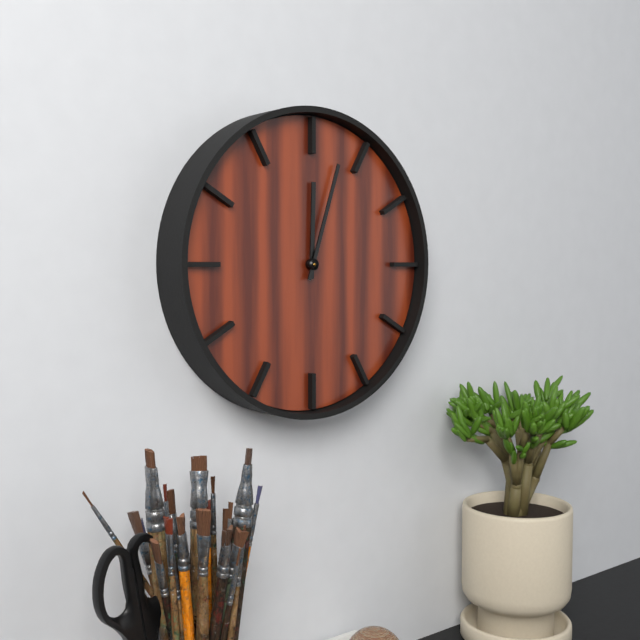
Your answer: **12:03**
